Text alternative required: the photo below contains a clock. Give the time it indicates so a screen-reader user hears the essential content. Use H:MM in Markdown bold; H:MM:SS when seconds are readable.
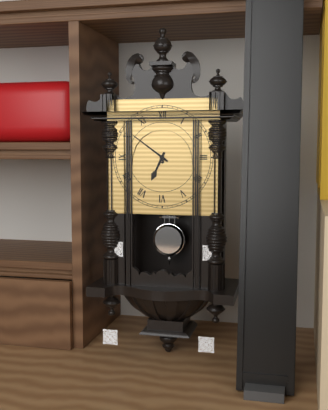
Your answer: **6:51**
